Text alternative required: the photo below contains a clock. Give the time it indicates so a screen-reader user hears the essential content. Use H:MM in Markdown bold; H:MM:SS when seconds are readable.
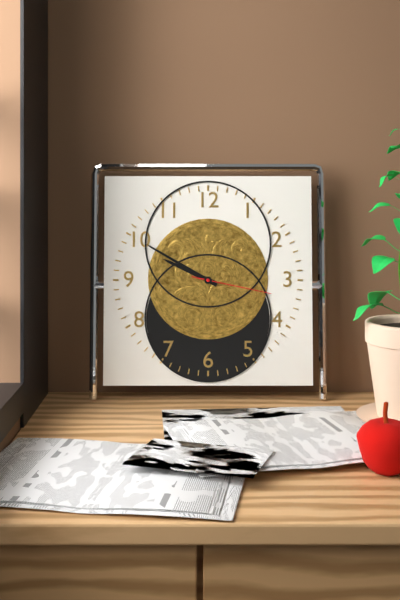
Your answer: **9:50:17**
